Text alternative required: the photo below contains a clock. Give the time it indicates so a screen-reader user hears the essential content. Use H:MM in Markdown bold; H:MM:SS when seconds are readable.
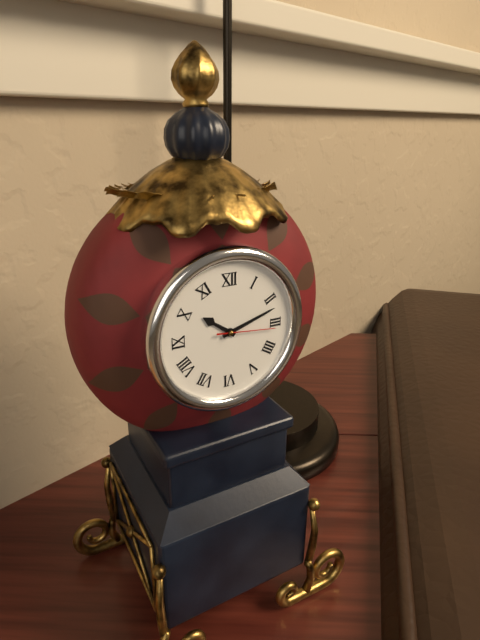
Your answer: **10:12:16**
